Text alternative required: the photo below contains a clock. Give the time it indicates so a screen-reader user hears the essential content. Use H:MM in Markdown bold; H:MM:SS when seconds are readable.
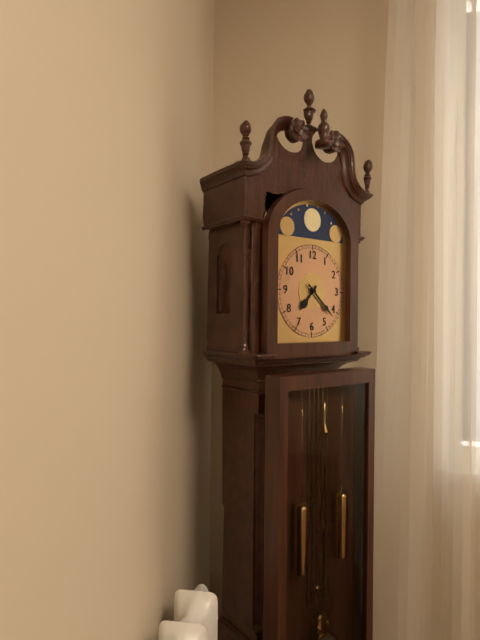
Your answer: **7:22**
